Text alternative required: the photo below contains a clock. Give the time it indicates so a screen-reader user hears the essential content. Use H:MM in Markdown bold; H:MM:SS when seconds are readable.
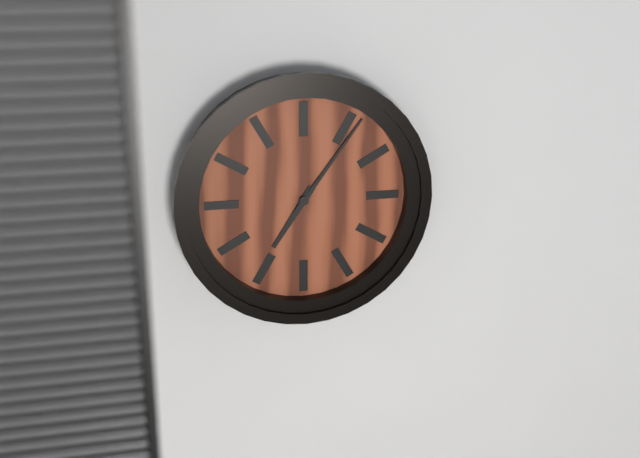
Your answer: **7:06**
